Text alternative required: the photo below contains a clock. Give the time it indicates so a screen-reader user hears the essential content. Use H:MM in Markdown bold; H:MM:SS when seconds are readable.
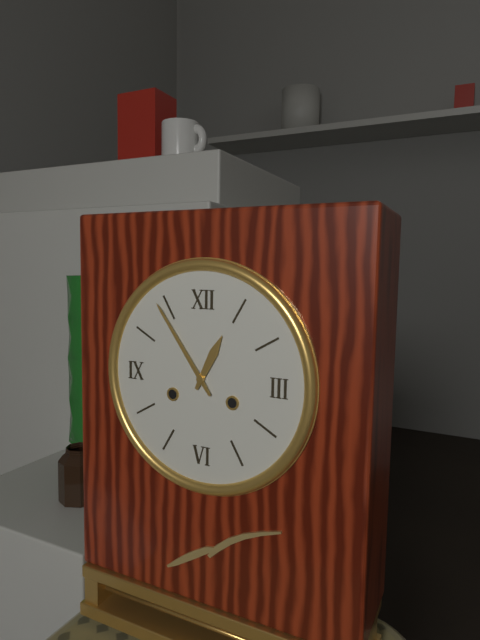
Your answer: **12:54**
